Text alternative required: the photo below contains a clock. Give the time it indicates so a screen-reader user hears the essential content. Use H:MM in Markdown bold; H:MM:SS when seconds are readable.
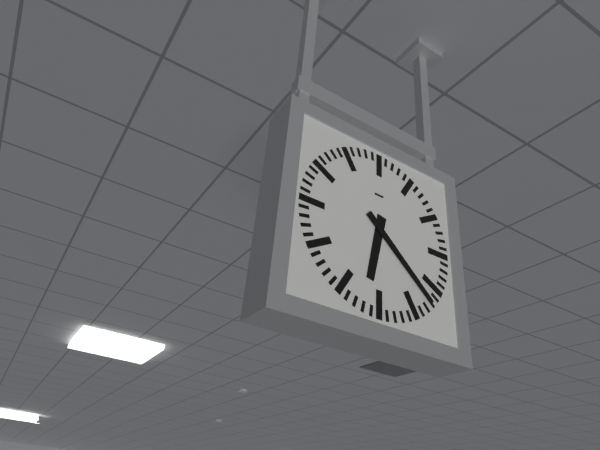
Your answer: **6:22**
